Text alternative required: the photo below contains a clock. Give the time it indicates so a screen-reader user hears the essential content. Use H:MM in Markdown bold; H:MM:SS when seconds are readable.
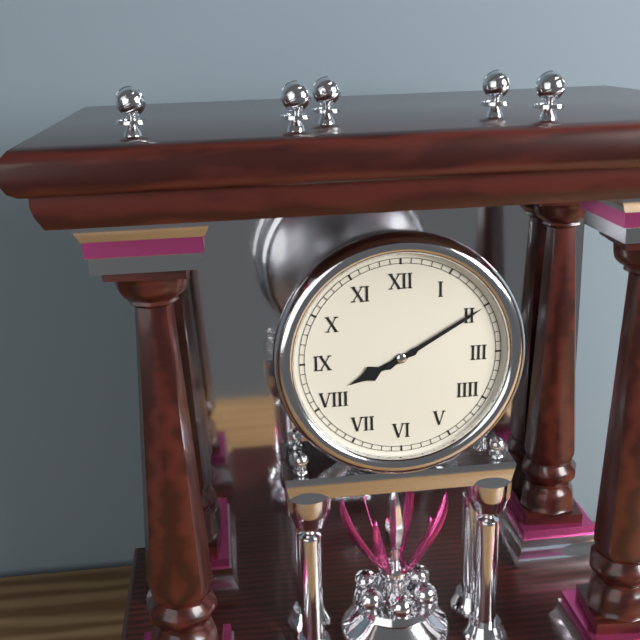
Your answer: **8:10**
